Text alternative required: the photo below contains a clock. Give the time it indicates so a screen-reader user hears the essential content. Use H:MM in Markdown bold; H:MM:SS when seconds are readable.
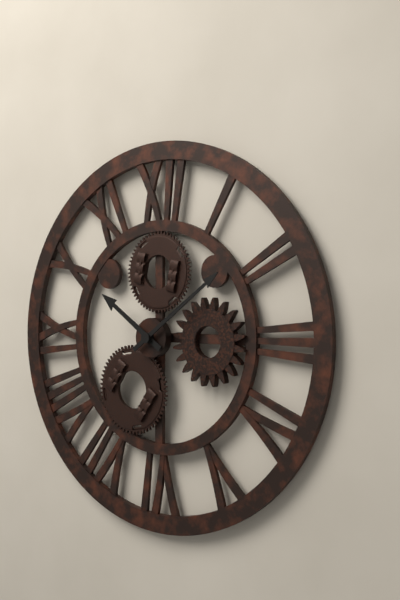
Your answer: **10:09**
